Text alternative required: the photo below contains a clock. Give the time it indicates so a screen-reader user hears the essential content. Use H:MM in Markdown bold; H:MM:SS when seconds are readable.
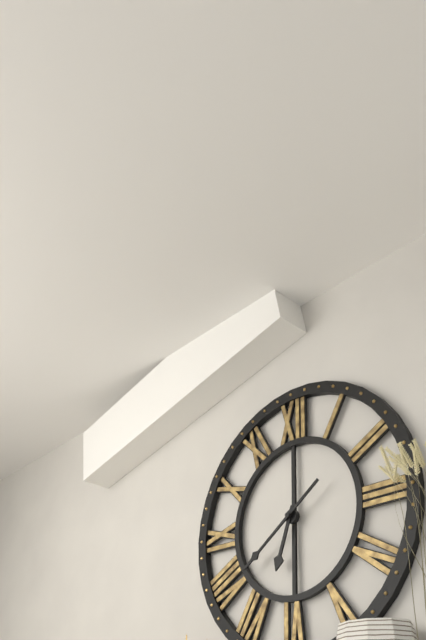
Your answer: **6:39**
